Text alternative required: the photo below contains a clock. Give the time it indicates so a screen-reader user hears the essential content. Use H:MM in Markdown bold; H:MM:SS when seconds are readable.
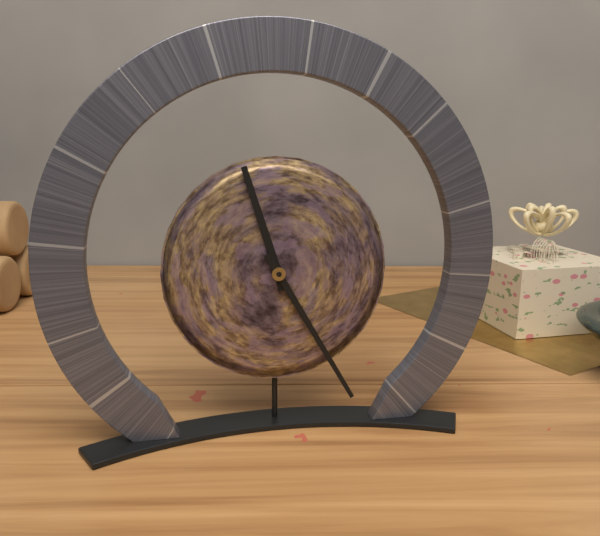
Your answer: **11:25**
